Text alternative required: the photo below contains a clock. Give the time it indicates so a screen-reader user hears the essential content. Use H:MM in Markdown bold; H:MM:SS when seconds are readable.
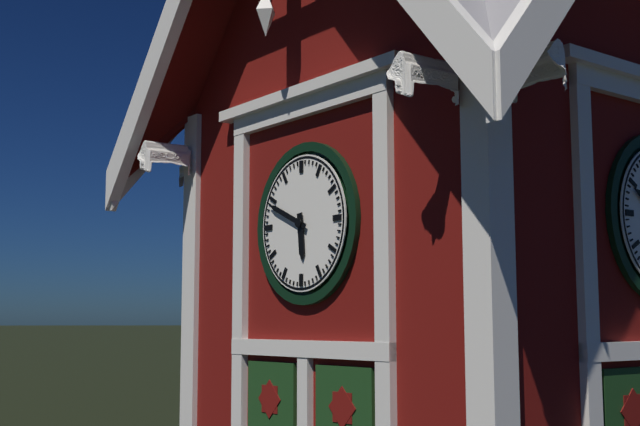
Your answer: **5:49**
